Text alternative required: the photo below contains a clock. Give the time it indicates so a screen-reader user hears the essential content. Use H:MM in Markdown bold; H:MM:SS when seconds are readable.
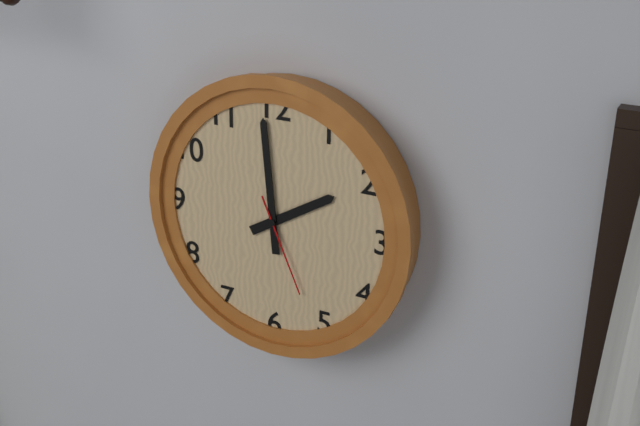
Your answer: **1:59:26**
